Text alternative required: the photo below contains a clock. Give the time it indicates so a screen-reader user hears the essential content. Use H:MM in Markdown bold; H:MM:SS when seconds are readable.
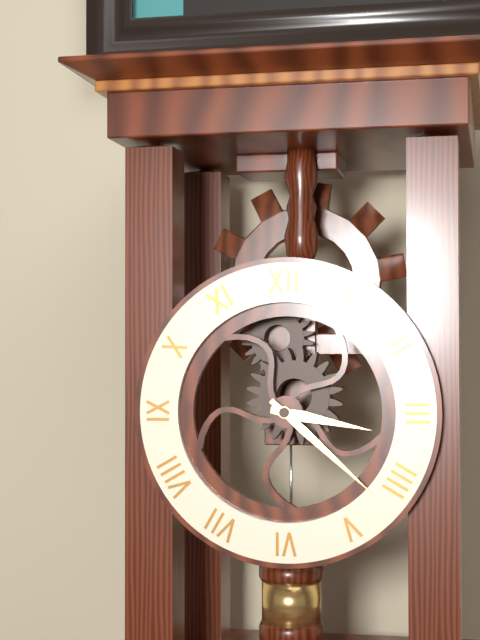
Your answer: **3:22**
